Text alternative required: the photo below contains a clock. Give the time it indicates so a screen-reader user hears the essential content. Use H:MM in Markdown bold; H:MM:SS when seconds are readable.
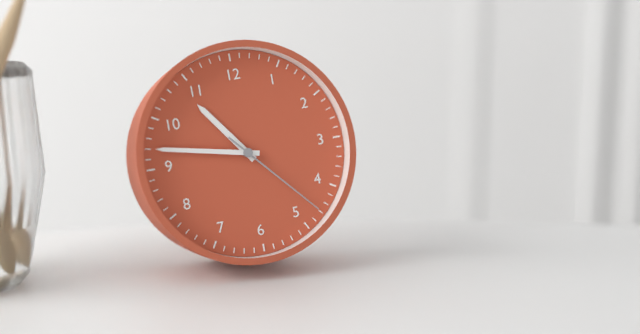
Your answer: **10:47:23**
